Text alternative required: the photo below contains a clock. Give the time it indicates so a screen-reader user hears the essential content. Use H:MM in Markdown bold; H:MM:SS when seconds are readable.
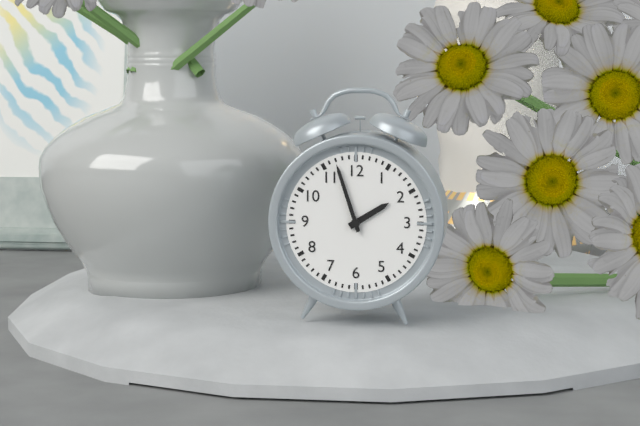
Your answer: **1:57**
